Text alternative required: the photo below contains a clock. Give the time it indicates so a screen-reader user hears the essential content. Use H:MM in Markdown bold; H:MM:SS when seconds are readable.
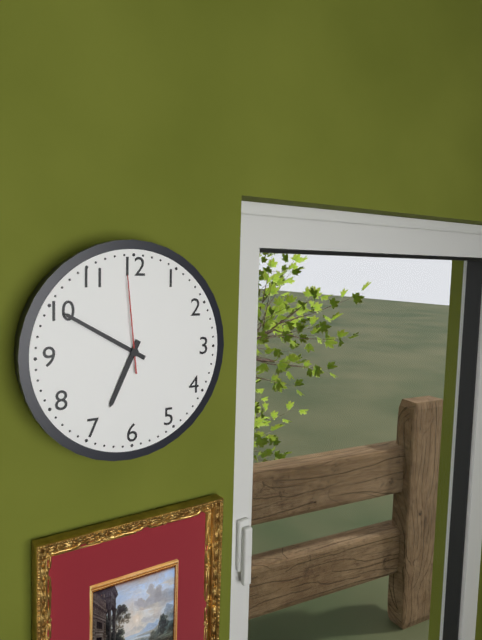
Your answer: **6:50:59**
